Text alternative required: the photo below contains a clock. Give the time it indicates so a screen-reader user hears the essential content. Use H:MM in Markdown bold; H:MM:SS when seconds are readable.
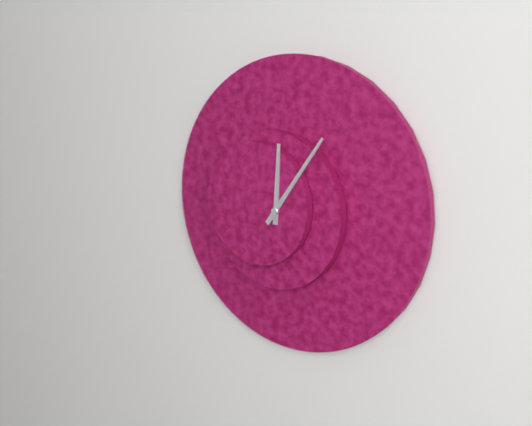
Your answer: **12:06**
